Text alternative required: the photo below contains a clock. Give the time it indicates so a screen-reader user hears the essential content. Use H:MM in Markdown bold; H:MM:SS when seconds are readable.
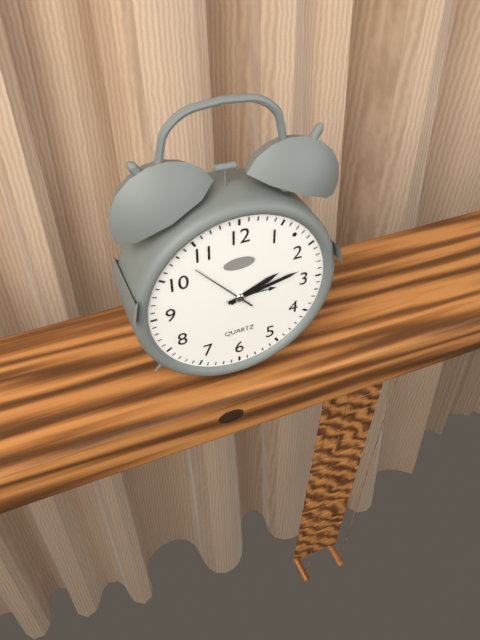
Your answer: **2:13:53**
